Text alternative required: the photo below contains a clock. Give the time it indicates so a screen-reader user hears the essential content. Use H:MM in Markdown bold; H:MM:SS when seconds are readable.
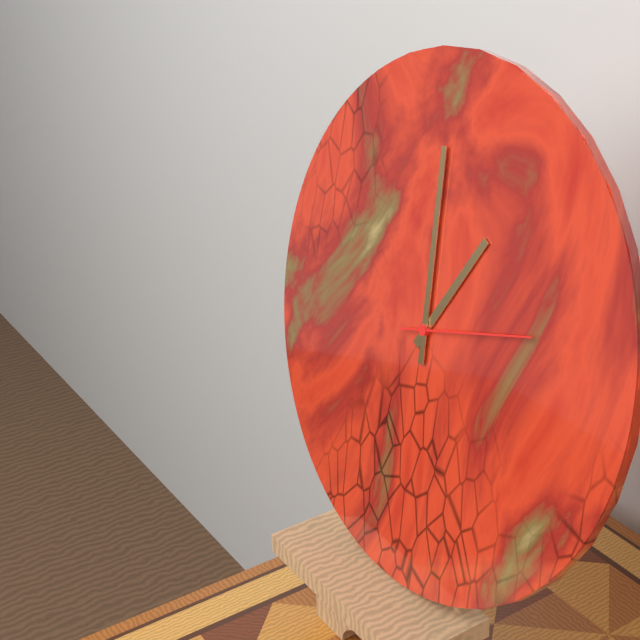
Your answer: **12:59:12**
